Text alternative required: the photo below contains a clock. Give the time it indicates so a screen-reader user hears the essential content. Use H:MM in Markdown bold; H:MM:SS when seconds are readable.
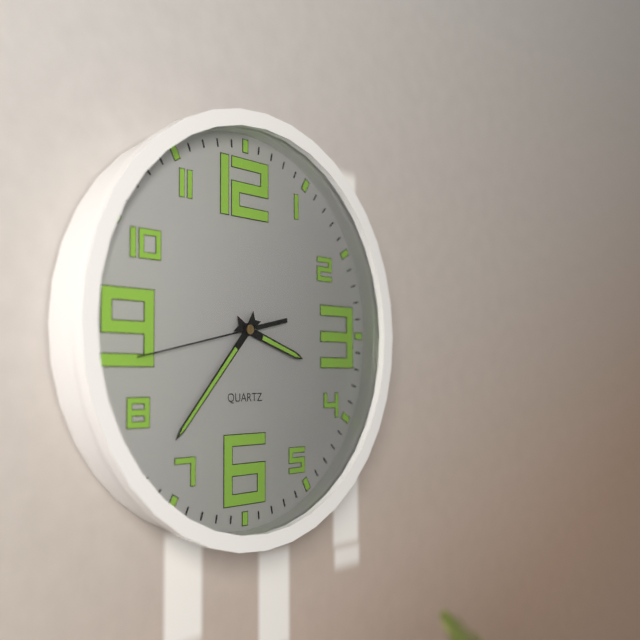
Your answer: **3:37:43**
